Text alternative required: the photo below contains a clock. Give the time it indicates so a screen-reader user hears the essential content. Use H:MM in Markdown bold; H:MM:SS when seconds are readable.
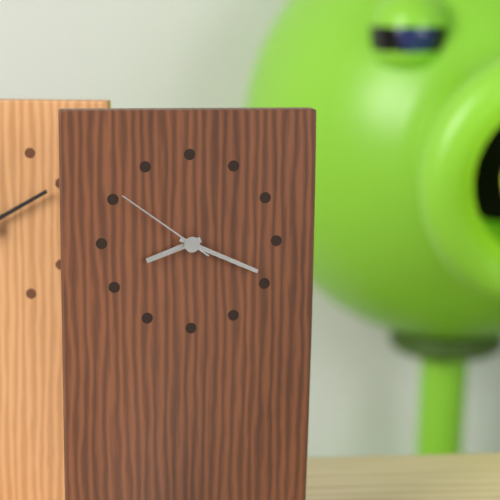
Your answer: **8:19:51**
